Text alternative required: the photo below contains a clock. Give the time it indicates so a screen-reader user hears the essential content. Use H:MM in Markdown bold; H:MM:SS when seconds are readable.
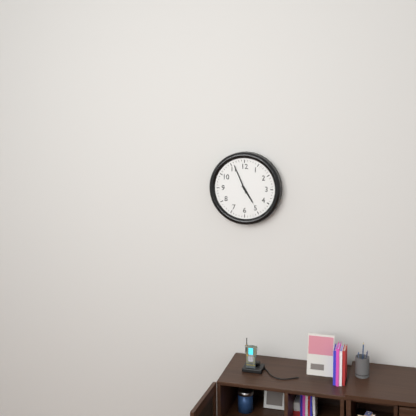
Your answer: **4:56**
